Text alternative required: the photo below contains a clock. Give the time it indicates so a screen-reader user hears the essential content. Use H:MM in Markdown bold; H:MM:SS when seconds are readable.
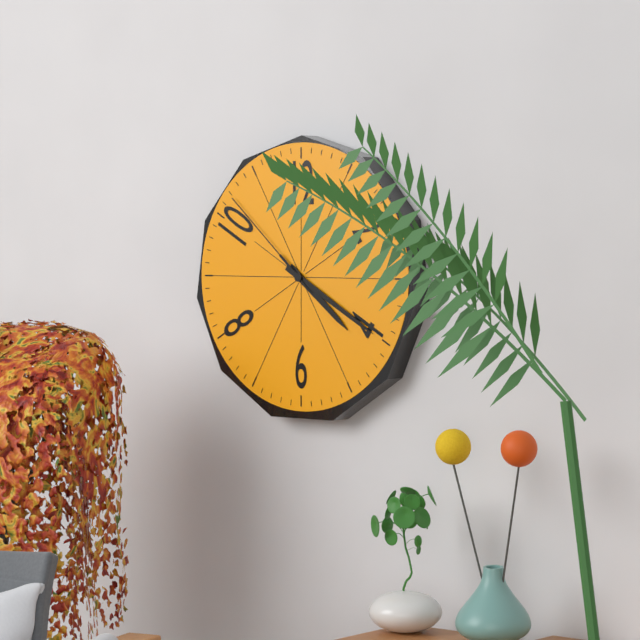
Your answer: **4:20:52**
